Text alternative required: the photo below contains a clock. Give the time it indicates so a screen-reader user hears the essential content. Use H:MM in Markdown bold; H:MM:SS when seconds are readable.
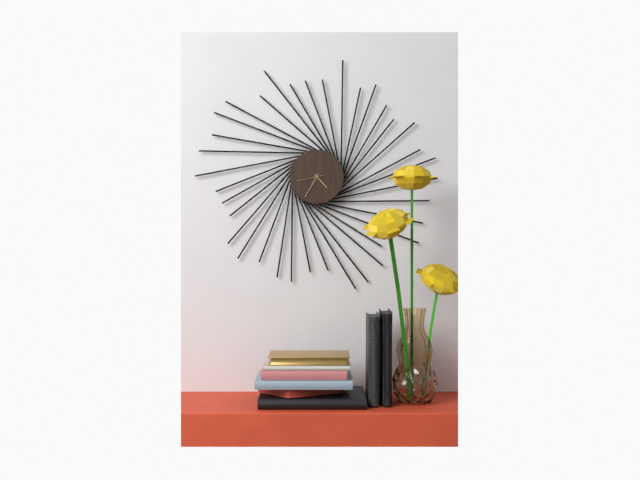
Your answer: **4:35**
